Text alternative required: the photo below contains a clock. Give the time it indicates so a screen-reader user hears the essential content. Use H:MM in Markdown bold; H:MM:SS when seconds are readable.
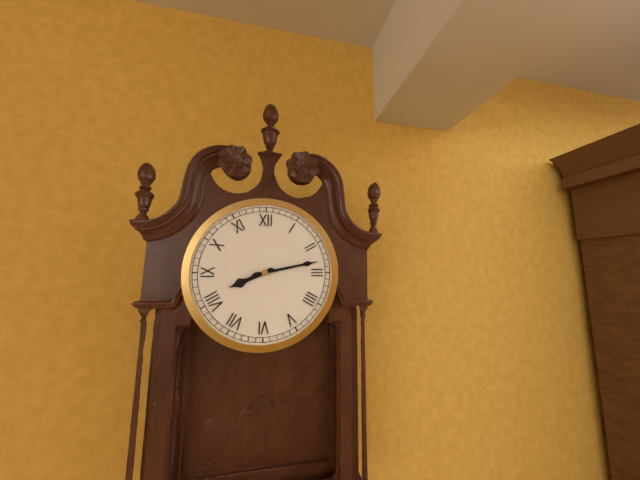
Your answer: **8:13**
